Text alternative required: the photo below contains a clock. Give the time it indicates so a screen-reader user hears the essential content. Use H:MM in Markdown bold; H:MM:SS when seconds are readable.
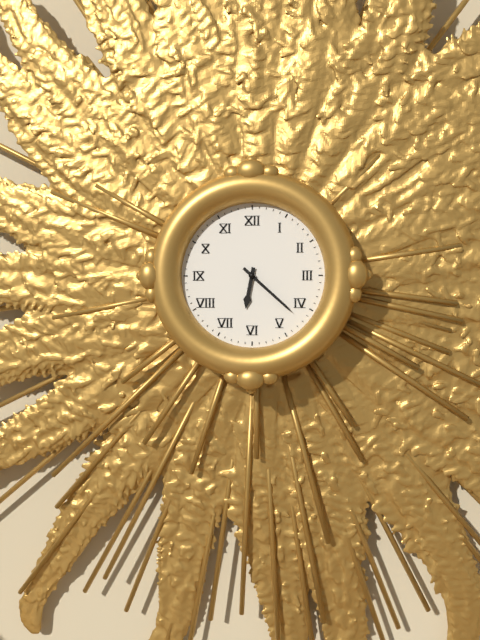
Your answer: **6:22**
